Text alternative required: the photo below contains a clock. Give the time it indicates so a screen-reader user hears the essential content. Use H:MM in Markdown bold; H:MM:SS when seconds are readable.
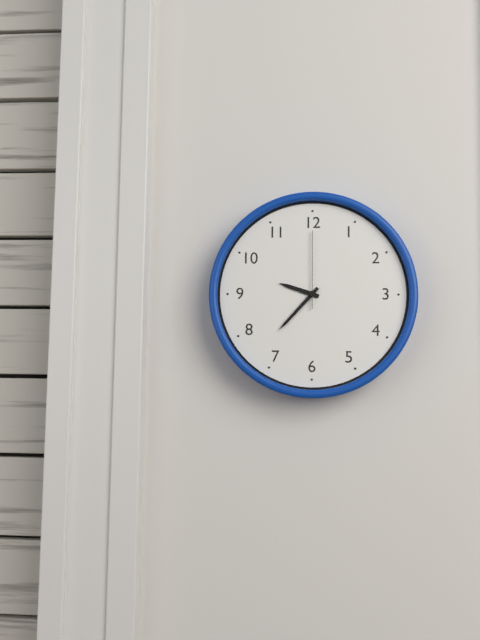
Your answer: **9:37:00**
